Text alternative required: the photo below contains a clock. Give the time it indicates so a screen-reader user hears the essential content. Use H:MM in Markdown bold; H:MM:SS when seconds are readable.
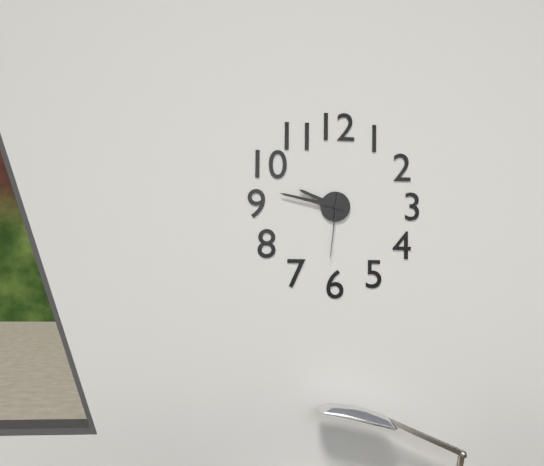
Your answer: **9:47:31**
